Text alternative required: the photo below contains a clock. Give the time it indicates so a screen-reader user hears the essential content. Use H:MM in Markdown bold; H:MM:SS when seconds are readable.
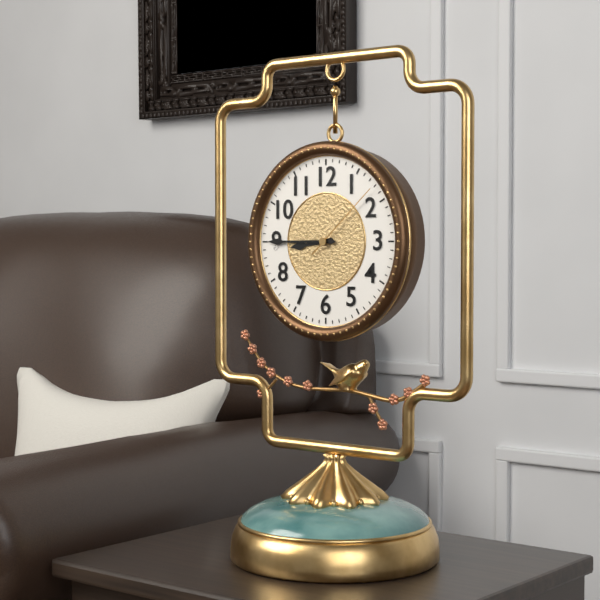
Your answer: **8:45:08**
